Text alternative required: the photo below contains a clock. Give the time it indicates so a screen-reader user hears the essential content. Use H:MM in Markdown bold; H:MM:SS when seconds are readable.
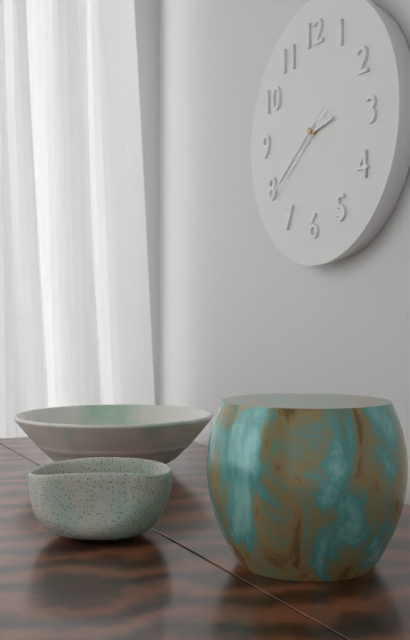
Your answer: **2:39:39**
